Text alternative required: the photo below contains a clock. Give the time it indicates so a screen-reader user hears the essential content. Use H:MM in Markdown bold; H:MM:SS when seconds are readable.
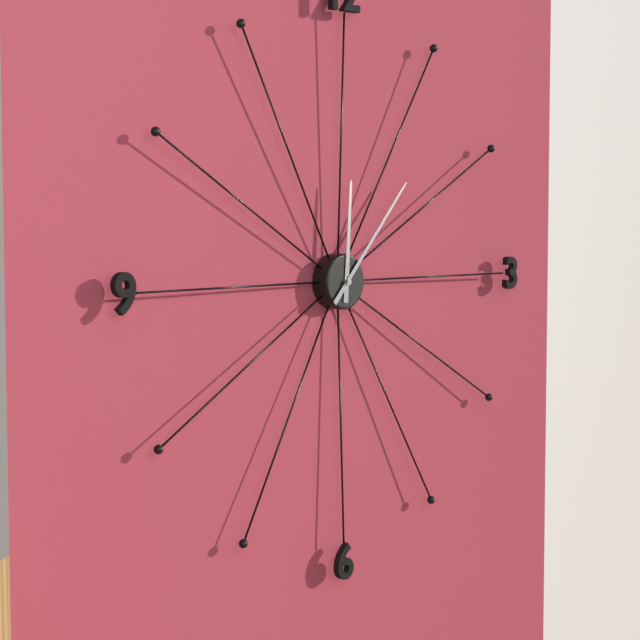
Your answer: **12:07**
